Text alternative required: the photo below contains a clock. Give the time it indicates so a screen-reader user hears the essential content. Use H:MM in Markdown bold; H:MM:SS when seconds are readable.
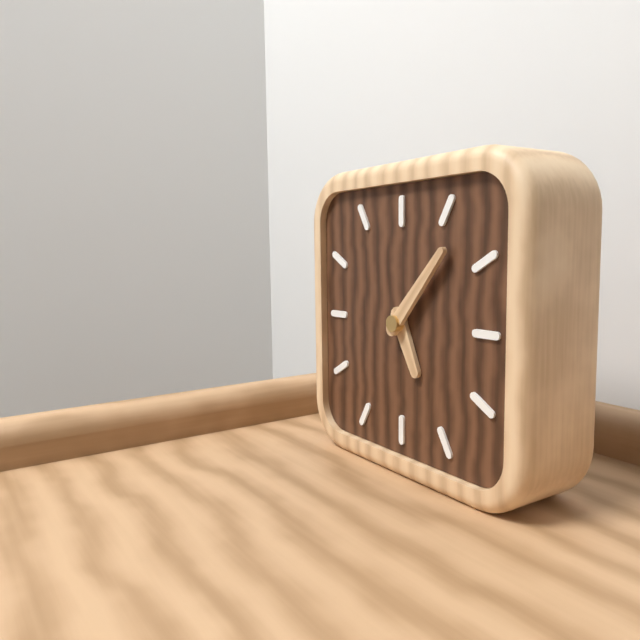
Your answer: **5:07**
